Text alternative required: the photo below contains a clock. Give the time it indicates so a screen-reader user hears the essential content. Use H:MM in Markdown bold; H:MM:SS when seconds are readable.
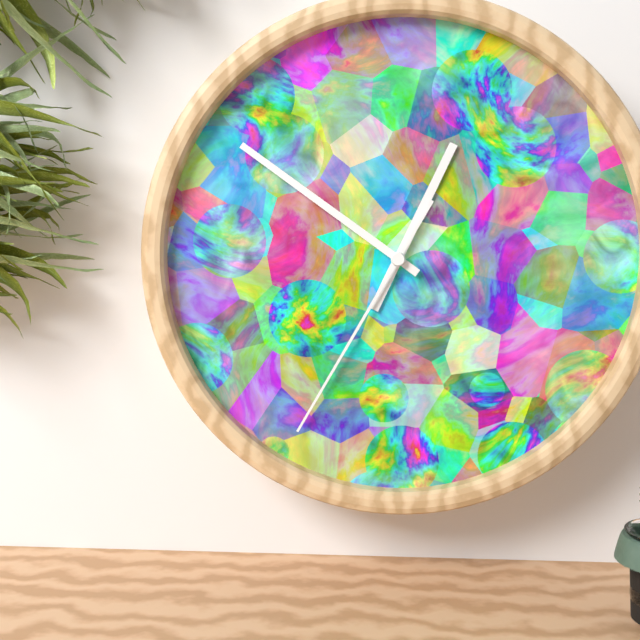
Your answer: **12:51:35**
